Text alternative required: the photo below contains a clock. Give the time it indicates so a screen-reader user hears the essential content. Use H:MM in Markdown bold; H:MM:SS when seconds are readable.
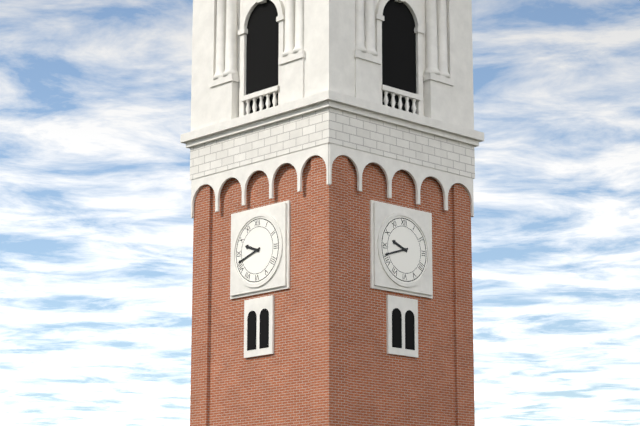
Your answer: **9:42**
